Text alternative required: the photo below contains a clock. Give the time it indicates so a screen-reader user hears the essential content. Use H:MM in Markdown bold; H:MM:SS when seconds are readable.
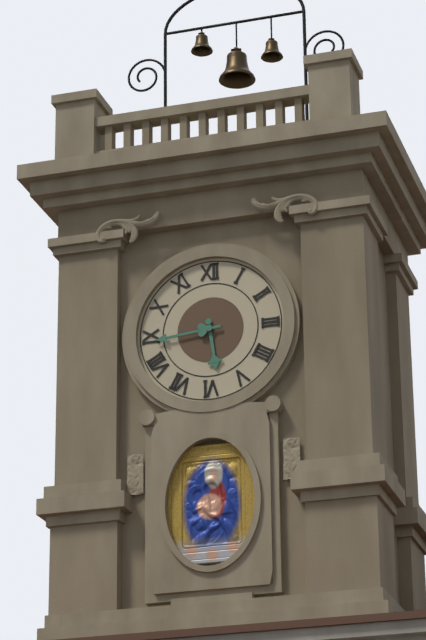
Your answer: **5:44**
